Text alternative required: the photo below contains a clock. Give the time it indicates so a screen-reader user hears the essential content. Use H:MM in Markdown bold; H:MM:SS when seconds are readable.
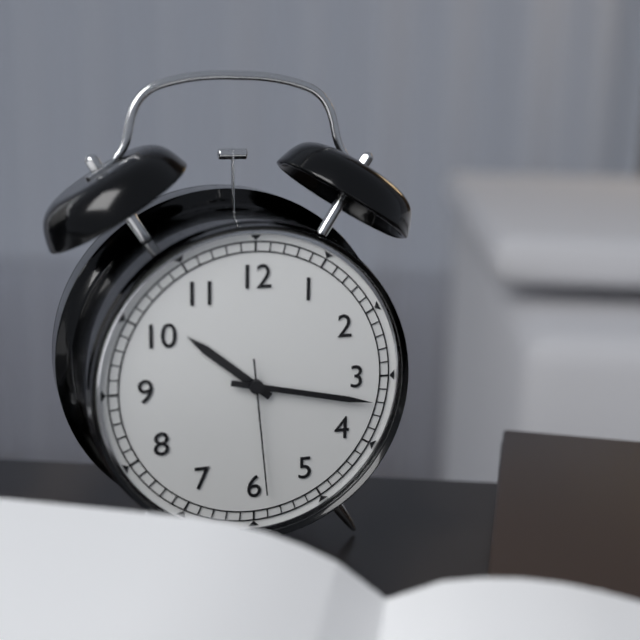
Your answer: **10:17:29**
